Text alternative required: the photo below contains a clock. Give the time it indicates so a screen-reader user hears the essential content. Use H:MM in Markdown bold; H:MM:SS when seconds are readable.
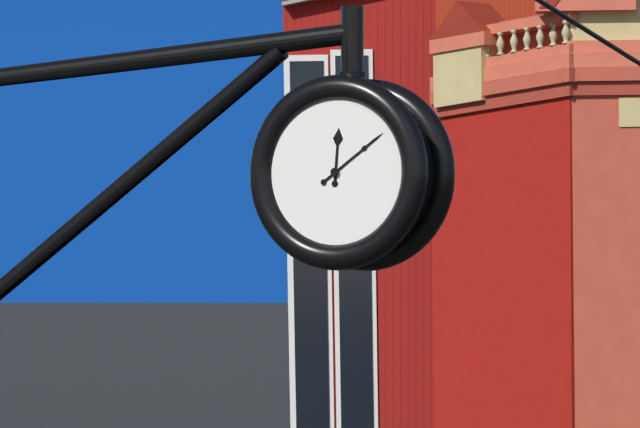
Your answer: **12:09**
